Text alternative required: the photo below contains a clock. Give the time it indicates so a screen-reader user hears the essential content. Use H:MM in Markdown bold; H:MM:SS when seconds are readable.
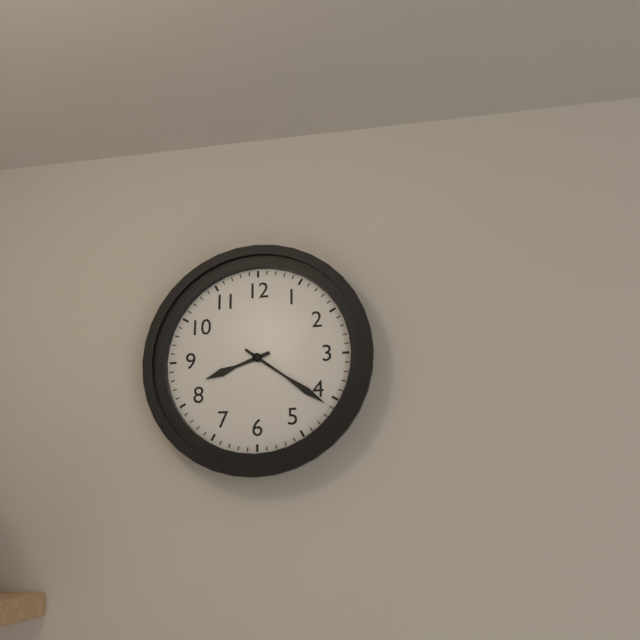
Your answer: **8:21**
